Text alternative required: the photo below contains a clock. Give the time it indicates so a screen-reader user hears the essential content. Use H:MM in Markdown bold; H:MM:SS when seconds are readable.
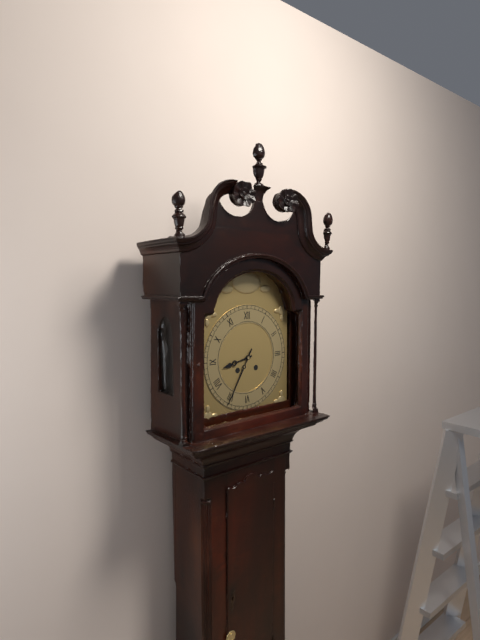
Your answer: **8:35**
